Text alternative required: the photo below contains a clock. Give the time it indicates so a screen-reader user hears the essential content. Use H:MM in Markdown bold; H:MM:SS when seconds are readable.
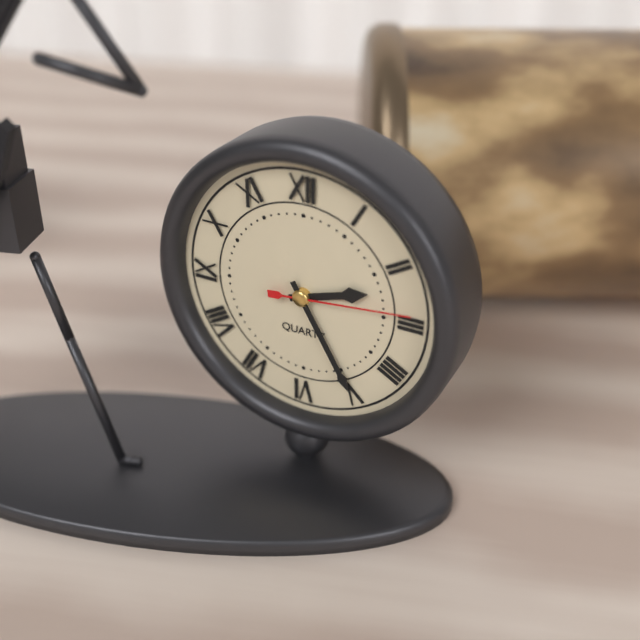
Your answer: **2:25:14**
